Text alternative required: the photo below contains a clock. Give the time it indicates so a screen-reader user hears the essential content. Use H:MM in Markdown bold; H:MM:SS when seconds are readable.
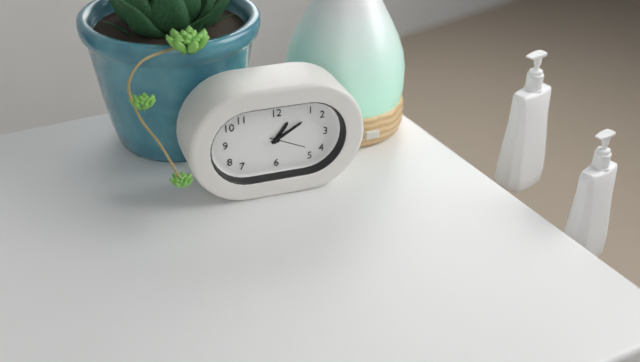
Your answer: **1:10**
